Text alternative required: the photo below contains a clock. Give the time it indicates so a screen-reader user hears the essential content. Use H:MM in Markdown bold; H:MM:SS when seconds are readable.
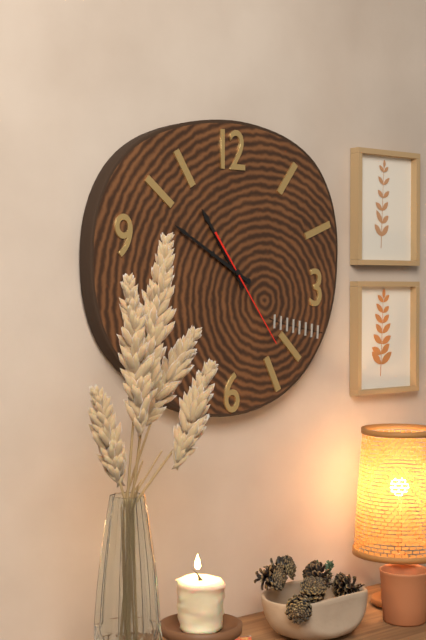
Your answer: **10:50:24**
